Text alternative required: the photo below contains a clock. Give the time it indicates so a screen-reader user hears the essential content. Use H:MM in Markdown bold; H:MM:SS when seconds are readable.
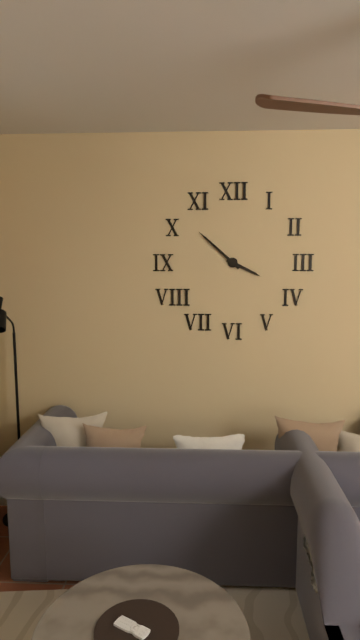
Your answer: **3:52**
